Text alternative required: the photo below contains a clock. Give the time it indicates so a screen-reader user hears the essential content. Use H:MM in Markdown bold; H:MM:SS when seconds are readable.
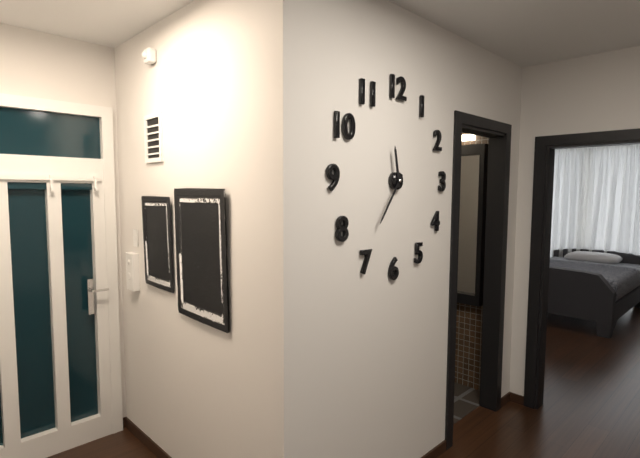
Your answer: **11:36**
